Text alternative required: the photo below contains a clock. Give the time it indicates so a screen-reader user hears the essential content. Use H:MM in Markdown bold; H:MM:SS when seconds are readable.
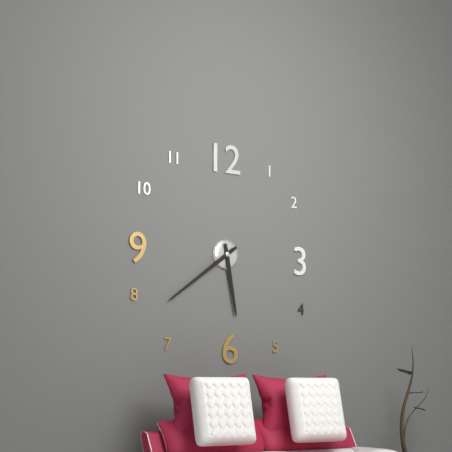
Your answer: **5:39**
